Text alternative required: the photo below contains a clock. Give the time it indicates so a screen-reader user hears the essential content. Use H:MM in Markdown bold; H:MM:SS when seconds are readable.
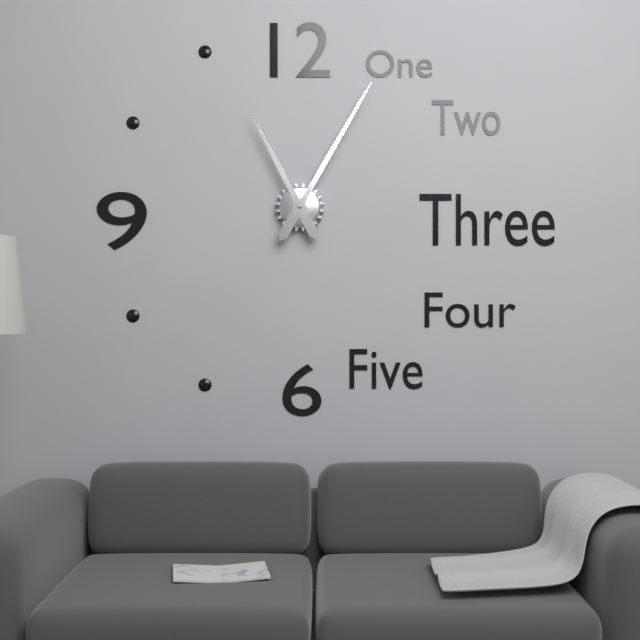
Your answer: **11:05**
